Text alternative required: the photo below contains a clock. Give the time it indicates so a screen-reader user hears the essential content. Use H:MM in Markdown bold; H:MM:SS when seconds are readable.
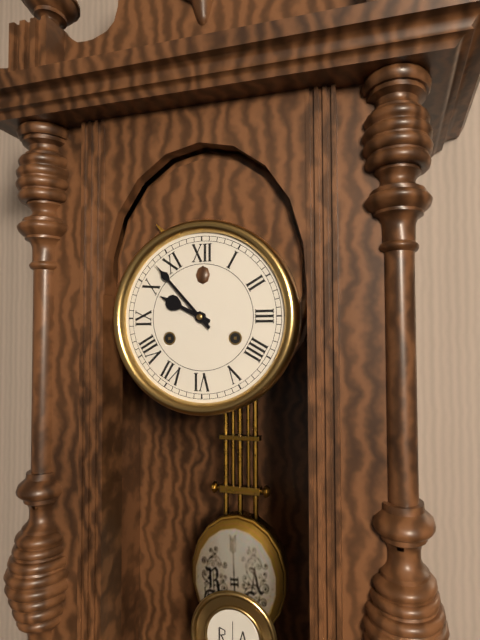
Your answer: **9:53**
